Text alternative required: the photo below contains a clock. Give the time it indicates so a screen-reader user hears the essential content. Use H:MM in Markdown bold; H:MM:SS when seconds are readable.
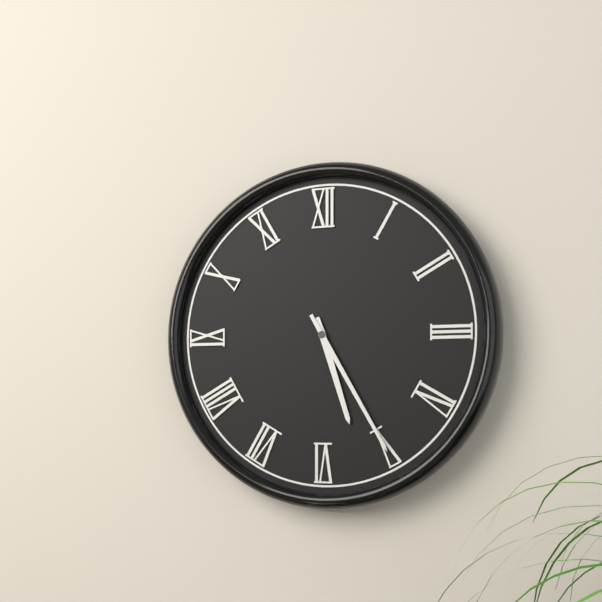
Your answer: **5:25**
